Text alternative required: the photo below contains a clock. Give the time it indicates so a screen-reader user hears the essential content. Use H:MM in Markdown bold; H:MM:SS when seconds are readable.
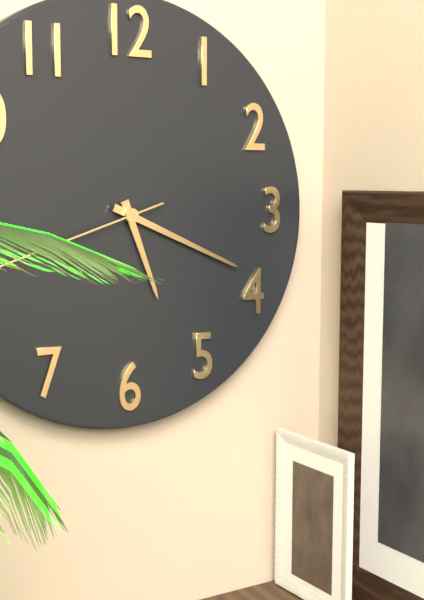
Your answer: **5:19**
